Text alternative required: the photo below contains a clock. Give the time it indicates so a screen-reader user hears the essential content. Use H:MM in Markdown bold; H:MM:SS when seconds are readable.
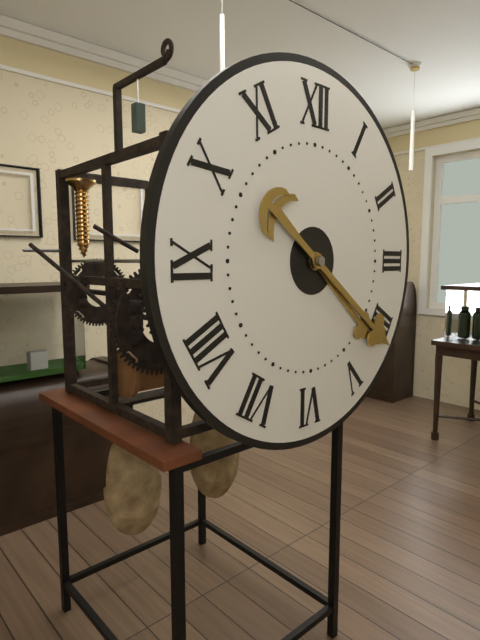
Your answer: **4:21**
